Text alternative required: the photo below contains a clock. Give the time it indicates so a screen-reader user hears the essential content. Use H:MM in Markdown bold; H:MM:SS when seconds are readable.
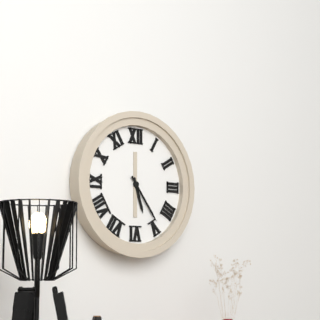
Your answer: **5:24**
